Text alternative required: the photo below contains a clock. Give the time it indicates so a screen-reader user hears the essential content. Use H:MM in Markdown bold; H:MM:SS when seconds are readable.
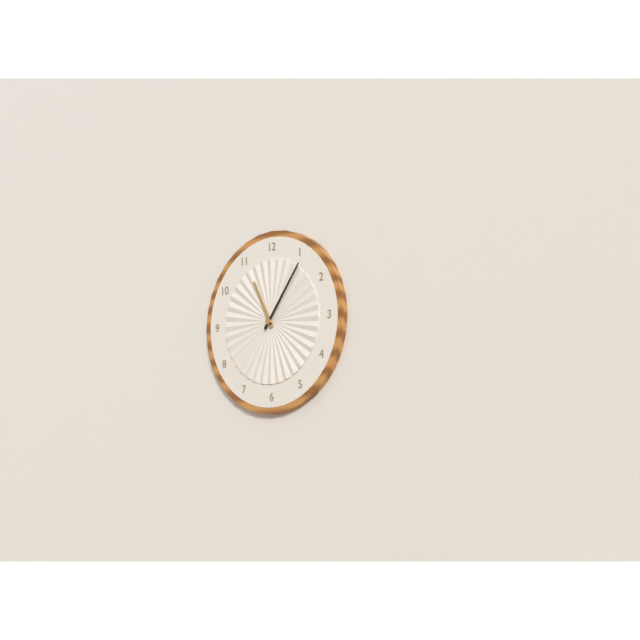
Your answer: **11:06**
